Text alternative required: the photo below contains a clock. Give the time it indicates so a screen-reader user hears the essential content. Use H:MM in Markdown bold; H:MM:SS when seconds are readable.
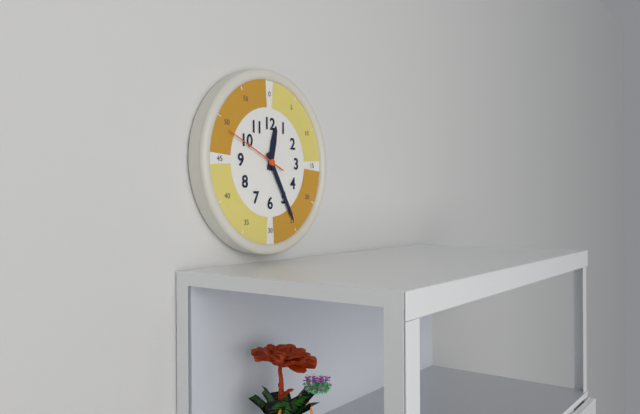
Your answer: **12:25:49**
